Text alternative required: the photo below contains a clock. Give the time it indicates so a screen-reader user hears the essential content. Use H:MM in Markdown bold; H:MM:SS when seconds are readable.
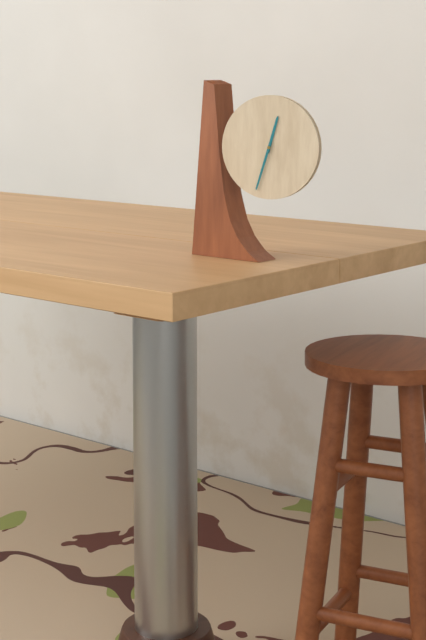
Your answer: **12:33**
